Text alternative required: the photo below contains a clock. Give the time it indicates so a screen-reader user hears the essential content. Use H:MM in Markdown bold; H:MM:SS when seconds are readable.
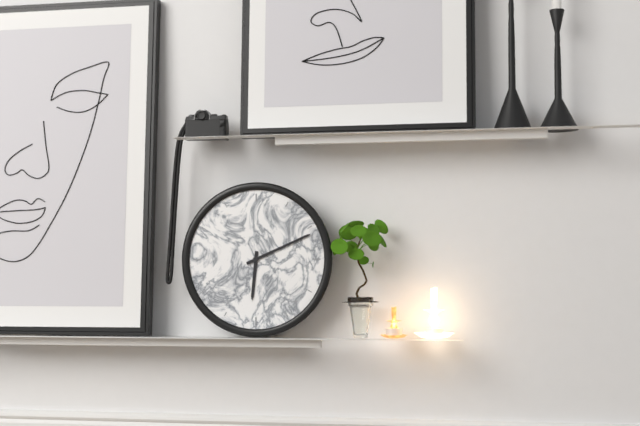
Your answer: **6:11**
